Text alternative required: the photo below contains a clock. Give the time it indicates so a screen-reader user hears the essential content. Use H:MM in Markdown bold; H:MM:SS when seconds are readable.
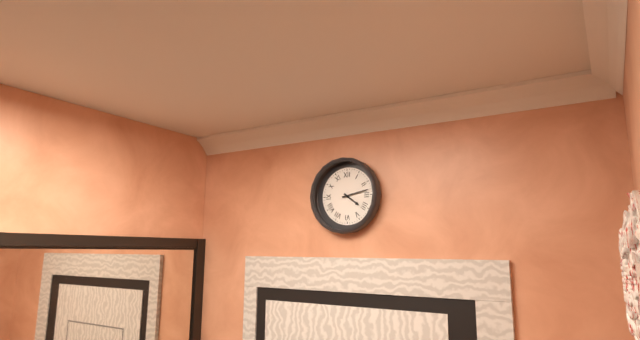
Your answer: **4:13**
